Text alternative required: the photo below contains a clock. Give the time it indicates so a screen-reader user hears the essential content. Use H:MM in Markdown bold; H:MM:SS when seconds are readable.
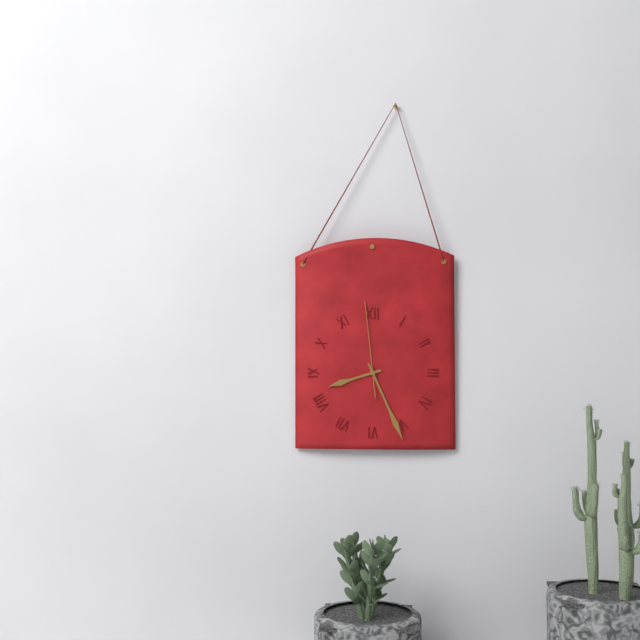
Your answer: **8:26:59**
